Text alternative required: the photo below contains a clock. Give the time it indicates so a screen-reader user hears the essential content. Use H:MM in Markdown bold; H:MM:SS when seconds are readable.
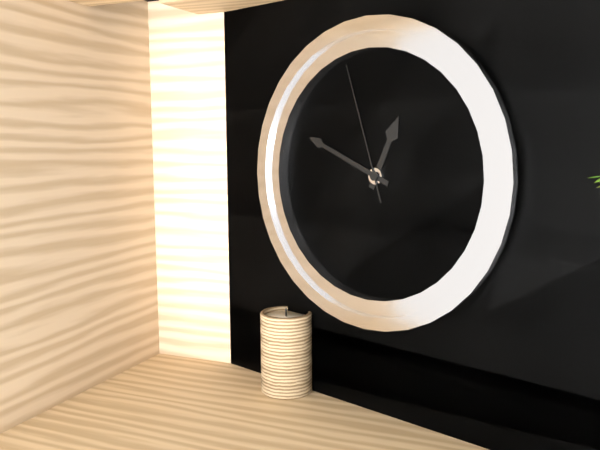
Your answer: **12:49:57**
